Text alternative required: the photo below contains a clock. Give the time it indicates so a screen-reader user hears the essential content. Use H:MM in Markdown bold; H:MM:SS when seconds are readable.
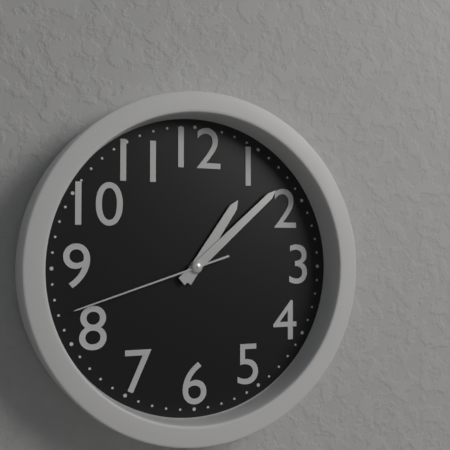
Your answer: **1:08:42**
